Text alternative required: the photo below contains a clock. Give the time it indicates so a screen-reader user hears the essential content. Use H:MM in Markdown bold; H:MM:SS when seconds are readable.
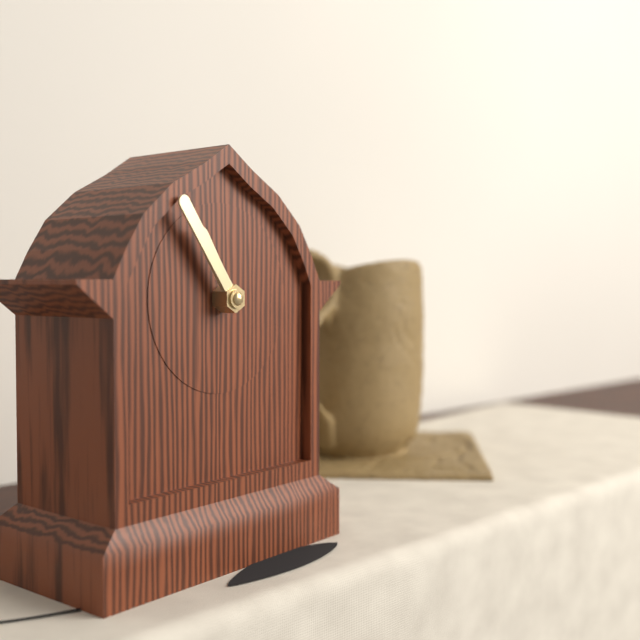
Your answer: **10:54**
